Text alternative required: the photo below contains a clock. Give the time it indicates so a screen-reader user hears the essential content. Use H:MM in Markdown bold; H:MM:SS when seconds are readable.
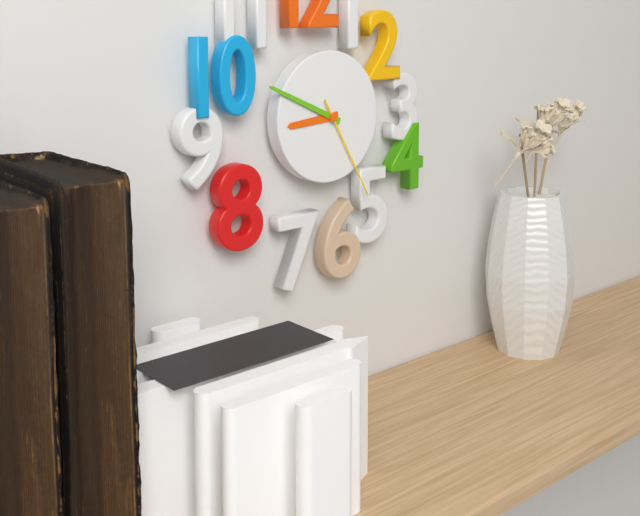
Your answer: **8:49:25**
